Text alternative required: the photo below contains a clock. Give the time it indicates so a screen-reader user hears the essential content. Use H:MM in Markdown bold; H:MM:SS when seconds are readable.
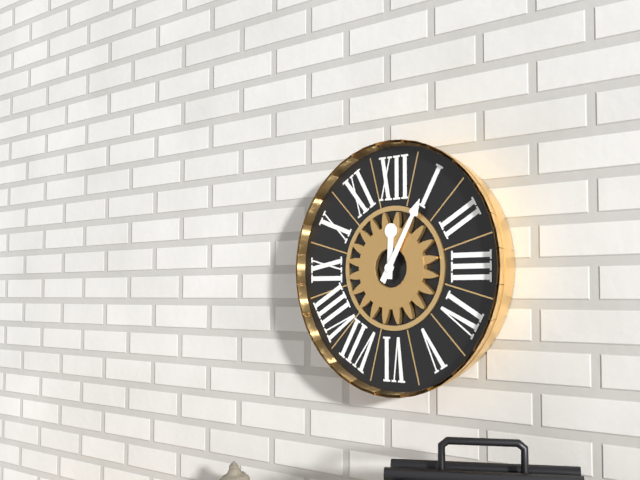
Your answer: **12:05**
